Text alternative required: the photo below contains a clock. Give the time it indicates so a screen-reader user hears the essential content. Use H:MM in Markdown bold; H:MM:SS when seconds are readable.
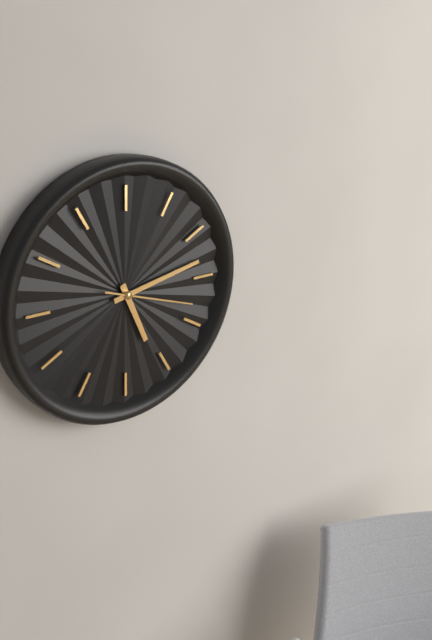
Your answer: **5:13:18**
